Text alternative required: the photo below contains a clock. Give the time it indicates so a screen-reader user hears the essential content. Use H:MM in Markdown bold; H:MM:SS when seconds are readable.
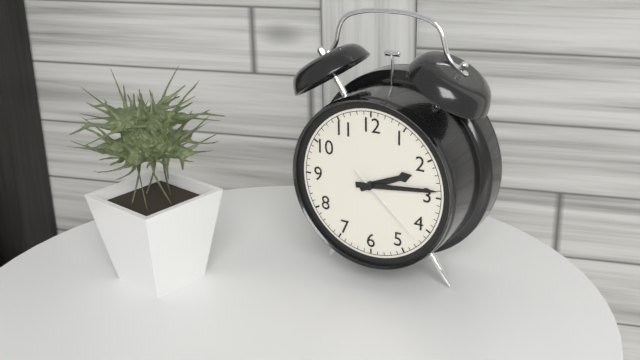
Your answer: **2:14:22**
